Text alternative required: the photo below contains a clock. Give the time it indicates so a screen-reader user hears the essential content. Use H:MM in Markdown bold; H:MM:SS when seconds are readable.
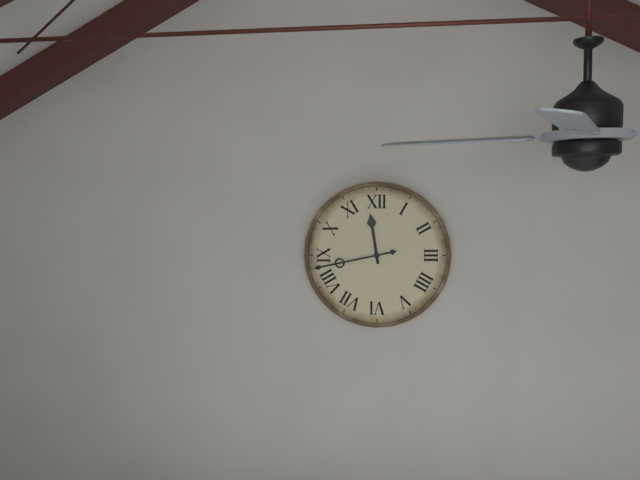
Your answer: **11:43**
